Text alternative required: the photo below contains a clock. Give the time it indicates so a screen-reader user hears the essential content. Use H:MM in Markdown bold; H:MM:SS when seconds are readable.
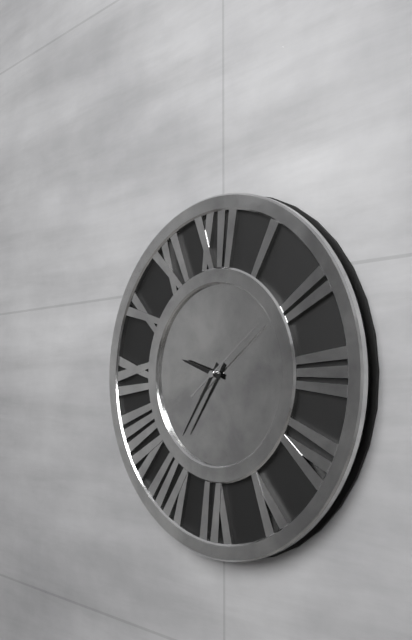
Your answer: **9:36:09**
